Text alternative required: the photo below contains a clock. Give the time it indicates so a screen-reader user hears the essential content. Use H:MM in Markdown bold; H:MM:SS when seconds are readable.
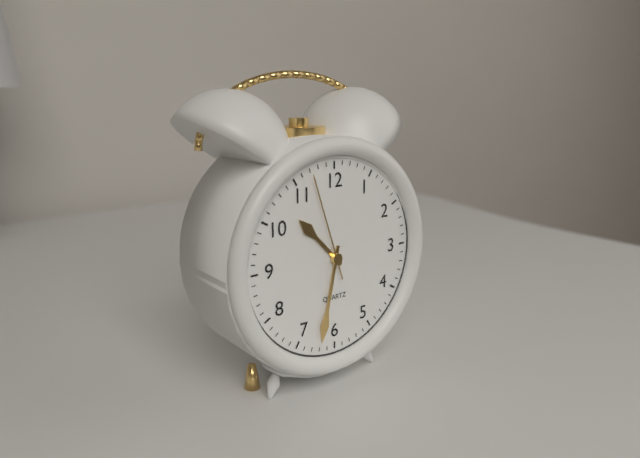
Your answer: **10:32:57**
